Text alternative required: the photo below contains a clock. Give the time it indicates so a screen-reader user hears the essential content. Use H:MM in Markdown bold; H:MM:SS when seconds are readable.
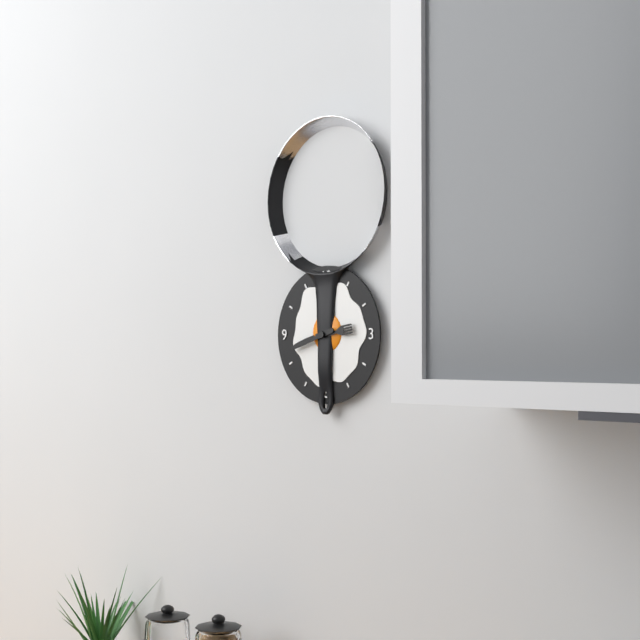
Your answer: **2:42**
